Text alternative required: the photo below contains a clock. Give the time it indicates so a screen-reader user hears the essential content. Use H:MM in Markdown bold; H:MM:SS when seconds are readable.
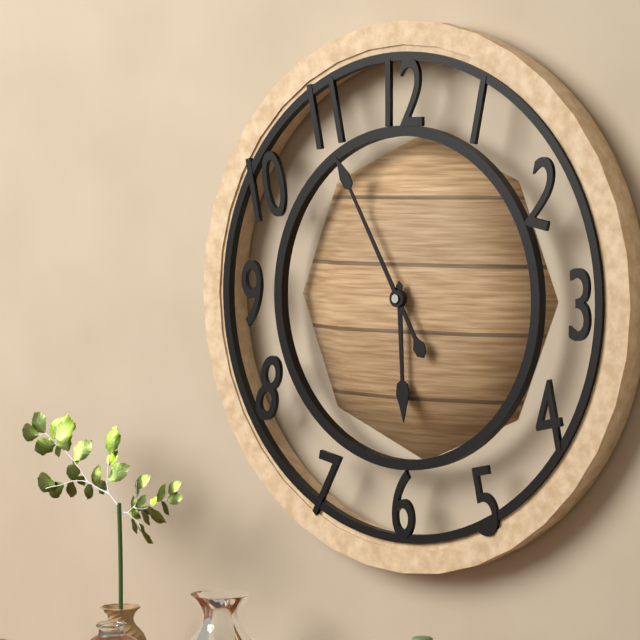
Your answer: **5:55**
